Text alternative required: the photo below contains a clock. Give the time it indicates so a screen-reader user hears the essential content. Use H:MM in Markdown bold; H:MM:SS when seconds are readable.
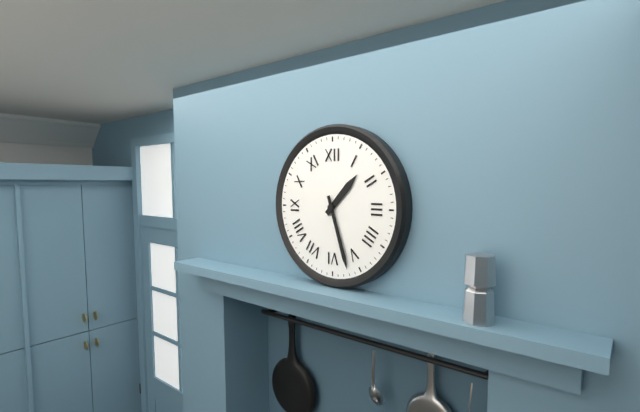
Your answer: **1:27**
